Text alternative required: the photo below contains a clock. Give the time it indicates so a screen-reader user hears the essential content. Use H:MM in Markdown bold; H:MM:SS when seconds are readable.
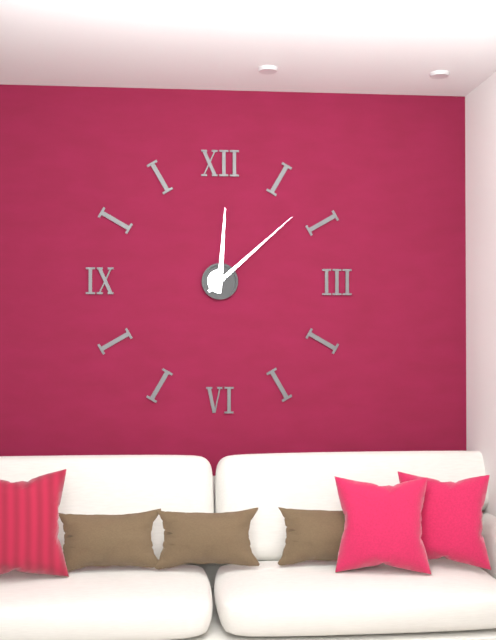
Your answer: **12:08**
